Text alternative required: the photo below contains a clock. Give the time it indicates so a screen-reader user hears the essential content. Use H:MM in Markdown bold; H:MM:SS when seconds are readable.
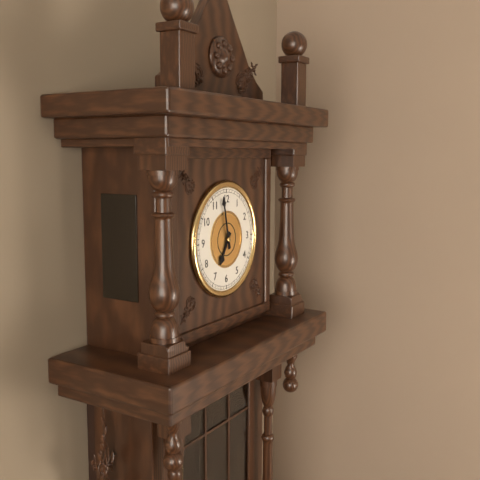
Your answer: **6:58**
